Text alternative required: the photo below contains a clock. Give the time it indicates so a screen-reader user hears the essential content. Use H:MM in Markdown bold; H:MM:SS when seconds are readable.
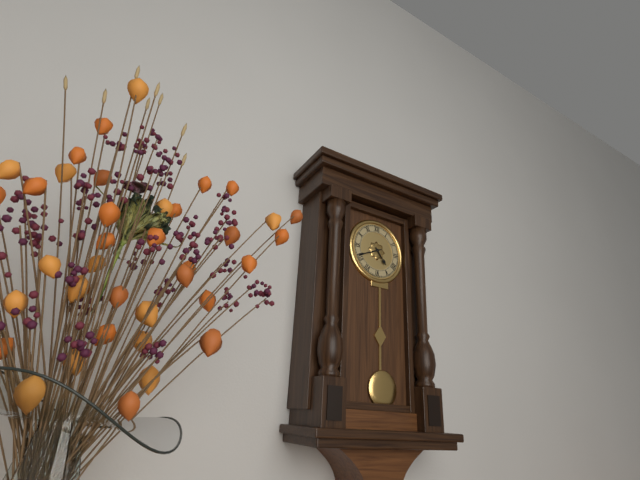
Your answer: **4:41**
